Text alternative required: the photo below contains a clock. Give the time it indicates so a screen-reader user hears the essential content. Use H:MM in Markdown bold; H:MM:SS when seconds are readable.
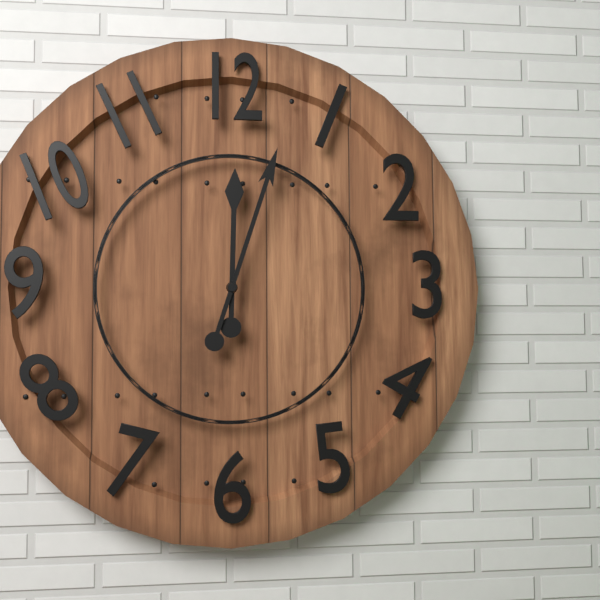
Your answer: **12:03**
